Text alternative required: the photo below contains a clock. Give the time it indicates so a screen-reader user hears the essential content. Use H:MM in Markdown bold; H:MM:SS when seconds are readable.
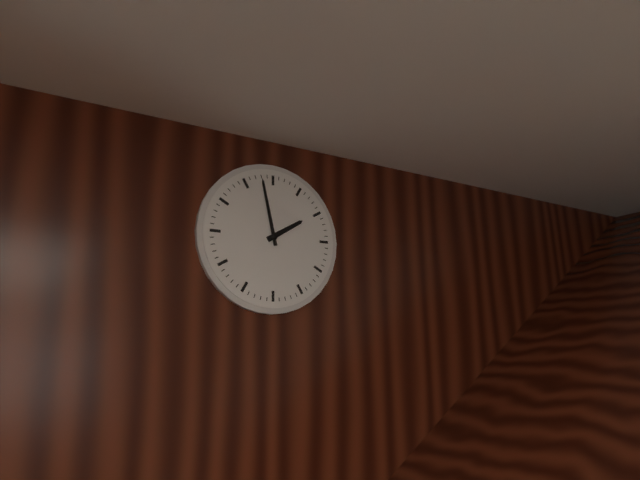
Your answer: **1:58**
